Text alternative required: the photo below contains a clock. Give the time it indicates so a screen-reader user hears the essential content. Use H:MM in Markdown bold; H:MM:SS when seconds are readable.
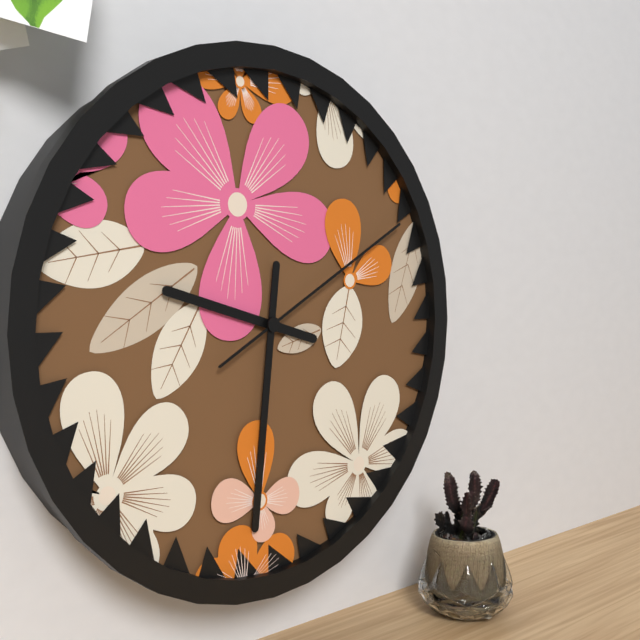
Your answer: **9:31:10**
